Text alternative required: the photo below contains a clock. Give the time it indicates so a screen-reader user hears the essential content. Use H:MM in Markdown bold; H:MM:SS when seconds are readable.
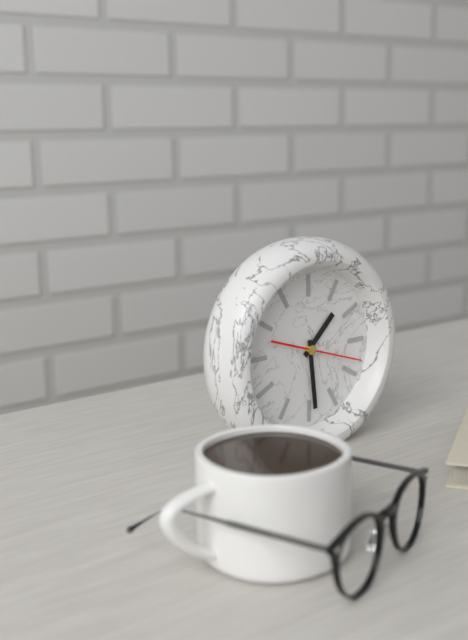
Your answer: **1:29:18**
